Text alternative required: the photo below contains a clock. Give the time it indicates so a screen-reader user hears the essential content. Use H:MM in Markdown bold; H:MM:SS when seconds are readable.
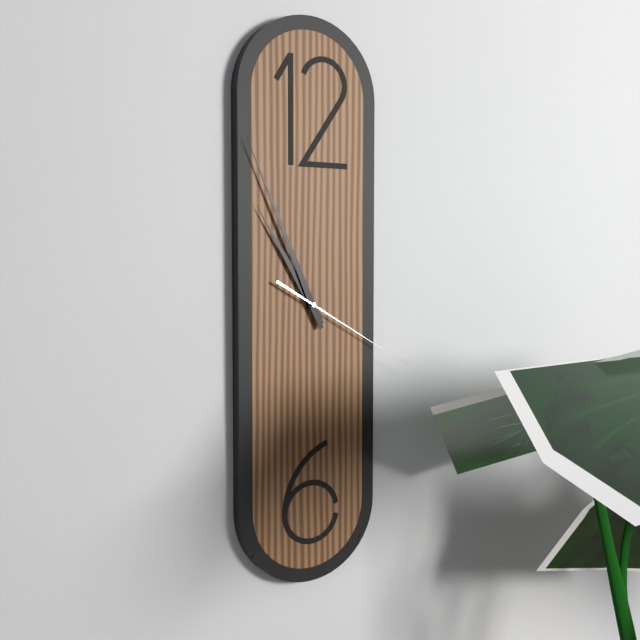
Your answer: **10:56:20**
